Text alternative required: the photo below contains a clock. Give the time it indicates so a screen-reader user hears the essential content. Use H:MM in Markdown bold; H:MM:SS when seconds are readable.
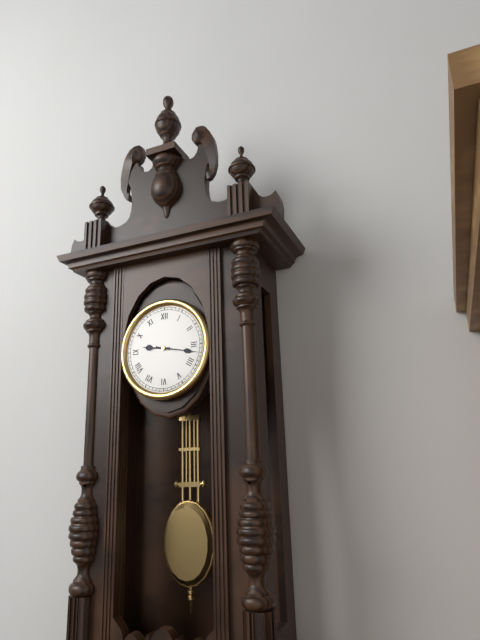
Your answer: **9:17**
